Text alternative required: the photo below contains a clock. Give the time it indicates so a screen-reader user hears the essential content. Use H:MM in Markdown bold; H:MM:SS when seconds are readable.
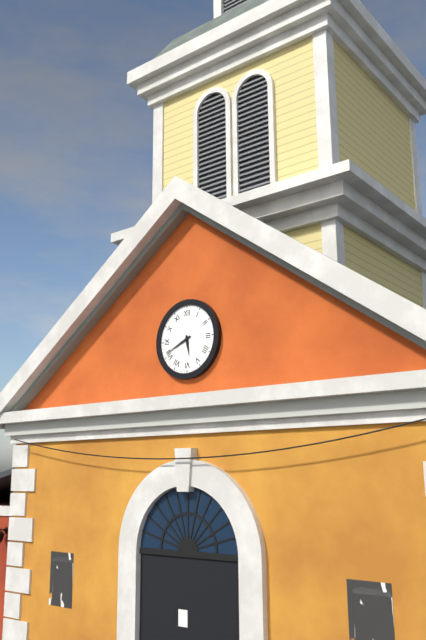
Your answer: **5:41**
